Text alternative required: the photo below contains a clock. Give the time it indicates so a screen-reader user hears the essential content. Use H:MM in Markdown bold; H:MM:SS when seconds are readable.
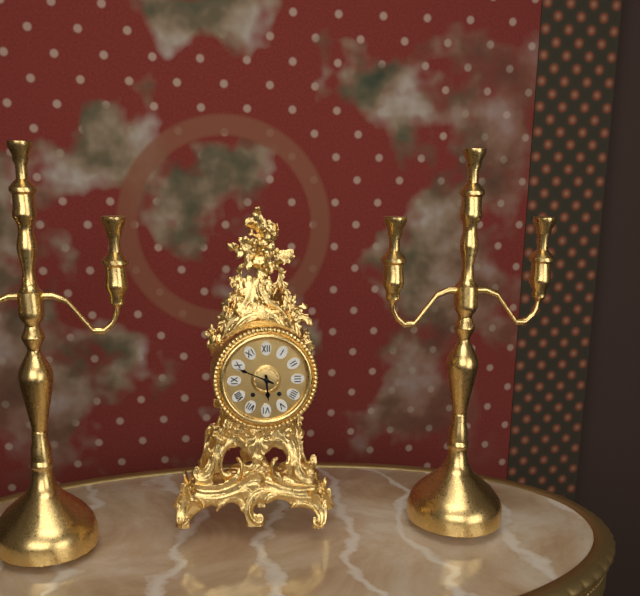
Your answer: **5:49**
